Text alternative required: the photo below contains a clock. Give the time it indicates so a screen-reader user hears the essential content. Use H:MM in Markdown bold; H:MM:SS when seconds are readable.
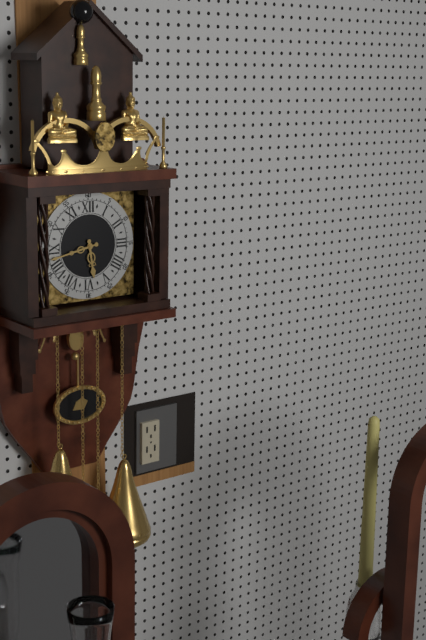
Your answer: **5:43**
